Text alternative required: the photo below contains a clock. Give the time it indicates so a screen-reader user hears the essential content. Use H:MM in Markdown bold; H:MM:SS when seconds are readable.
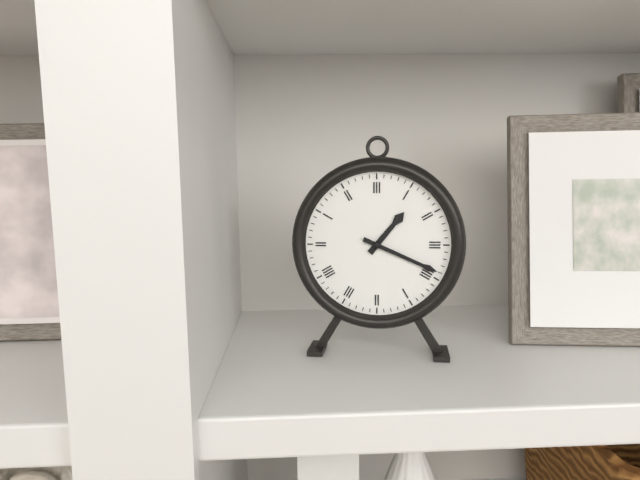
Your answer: **1:19**
